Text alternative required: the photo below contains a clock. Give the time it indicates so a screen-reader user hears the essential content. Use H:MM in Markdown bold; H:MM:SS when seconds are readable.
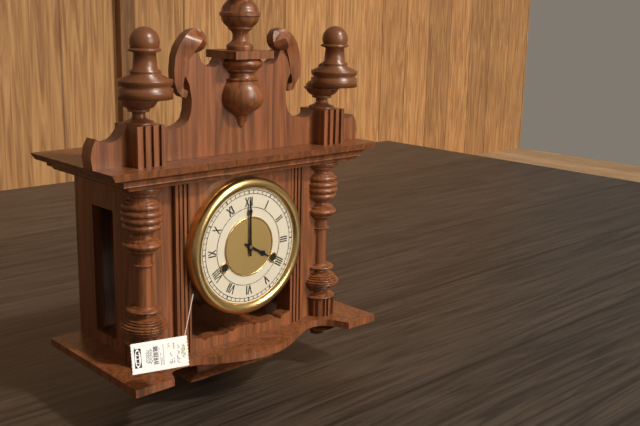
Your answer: **4:00**
